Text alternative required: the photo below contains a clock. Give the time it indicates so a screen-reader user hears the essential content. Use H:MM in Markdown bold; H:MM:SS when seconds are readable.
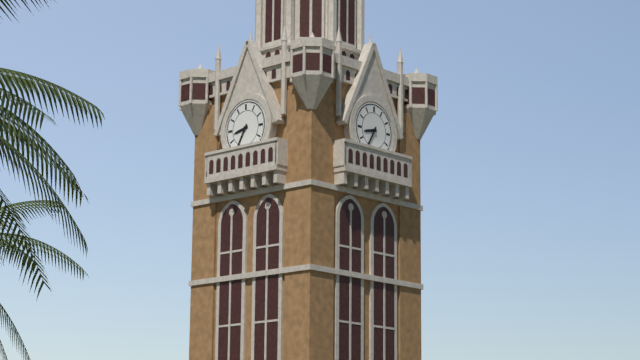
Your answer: **8:35**
